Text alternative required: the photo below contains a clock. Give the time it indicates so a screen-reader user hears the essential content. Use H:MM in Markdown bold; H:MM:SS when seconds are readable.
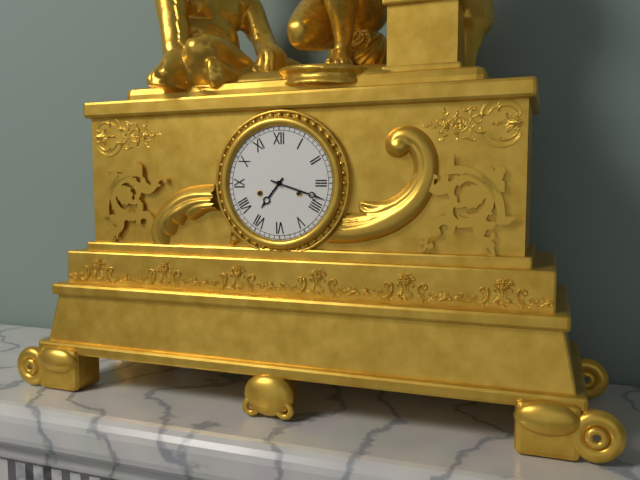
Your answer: **7:18**
